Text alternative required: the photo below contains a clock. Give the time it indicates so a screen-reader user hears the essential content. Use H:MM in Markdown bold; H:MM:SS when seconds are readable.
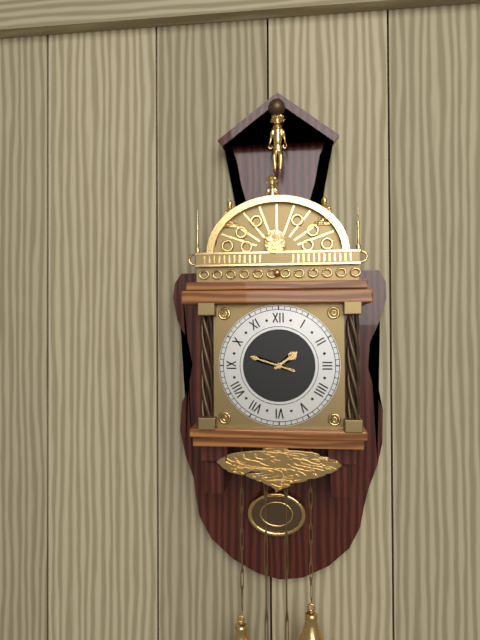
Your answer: **1:48**
